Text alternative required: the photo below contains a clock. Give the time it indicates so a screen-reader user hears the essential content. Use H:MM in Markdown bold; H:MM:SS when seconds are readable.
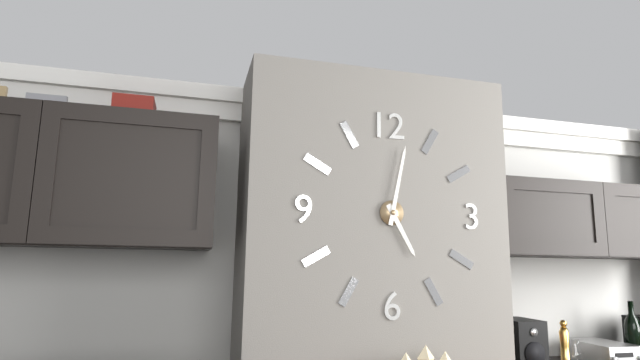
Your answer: **5:02**
